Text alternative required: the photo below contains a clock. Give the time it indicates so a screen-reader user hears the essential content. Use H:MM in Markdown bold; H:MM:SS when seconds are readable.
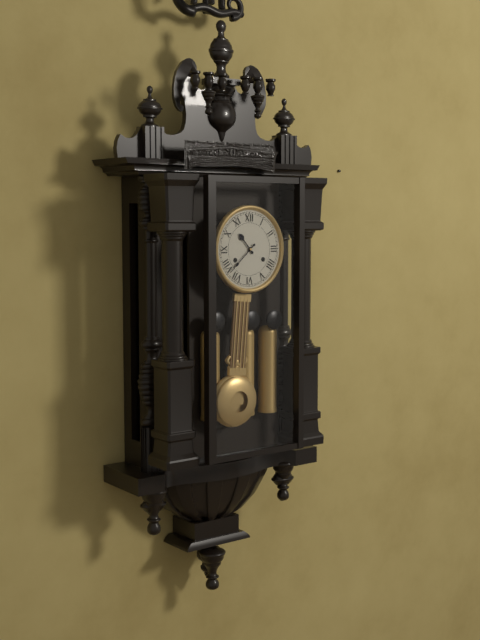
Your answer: **10:38**
